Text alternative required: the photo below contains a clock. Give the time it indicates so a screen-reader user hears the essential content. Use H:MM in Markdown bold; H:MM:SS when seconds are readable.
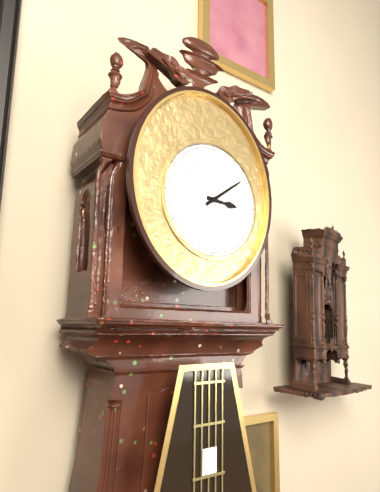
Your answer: **3:09**
